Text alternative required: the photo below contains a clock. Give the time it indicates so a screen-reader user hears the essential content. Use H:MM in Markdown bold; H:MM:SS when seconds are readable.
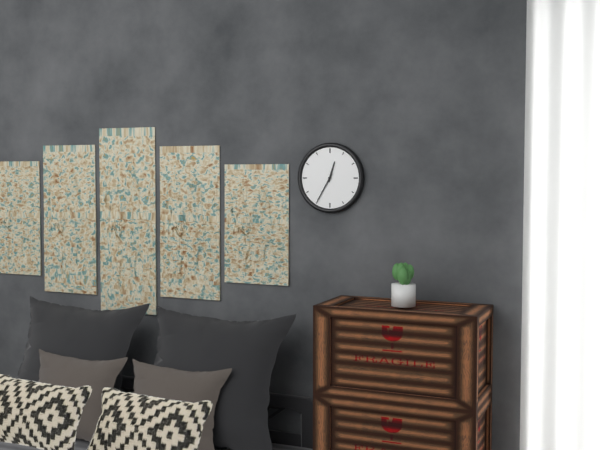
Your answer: **12:35**
